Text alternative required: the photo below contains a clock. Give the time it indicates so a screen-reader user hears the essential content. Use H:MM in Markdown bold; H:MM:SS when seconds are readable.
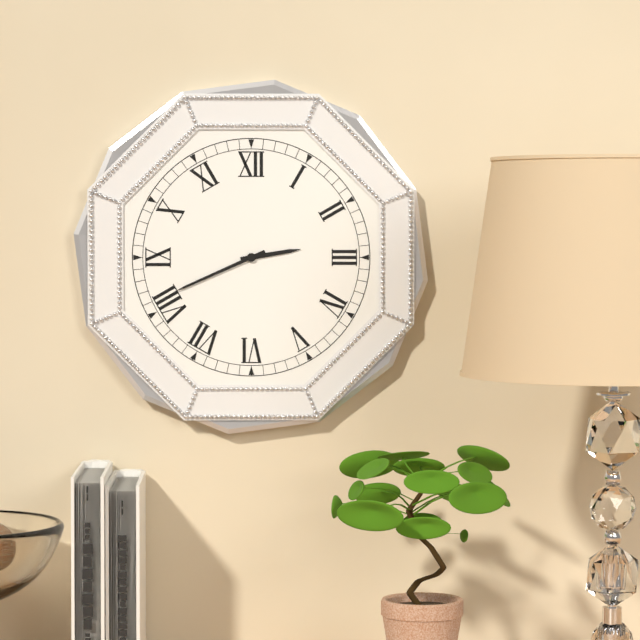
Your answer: **2:41**
